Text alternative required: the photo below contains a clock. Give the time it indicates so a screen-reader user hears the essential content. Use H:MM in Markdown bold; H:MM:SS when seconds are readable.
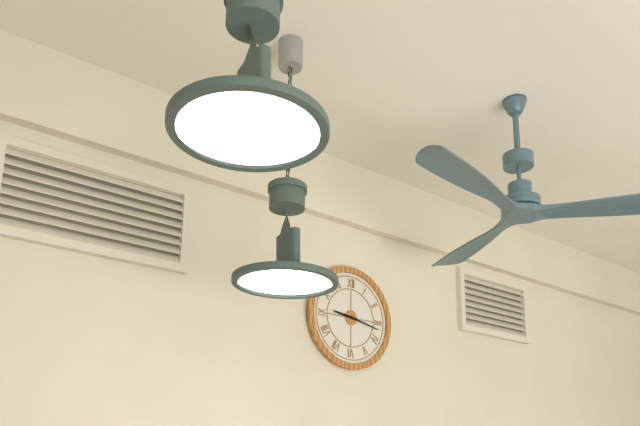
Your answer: **9:17**
